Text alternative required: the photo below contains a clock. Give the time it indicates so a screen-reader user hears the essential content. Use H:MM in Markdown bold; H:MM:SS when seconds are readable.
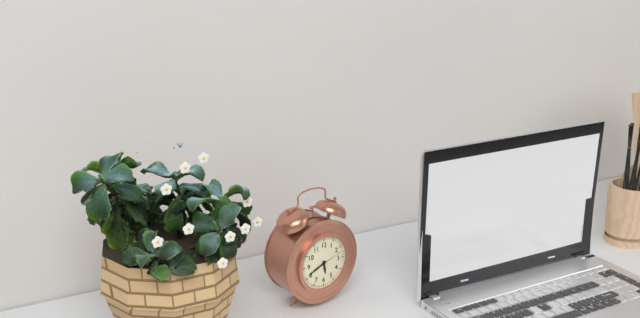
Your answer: **5:41**
